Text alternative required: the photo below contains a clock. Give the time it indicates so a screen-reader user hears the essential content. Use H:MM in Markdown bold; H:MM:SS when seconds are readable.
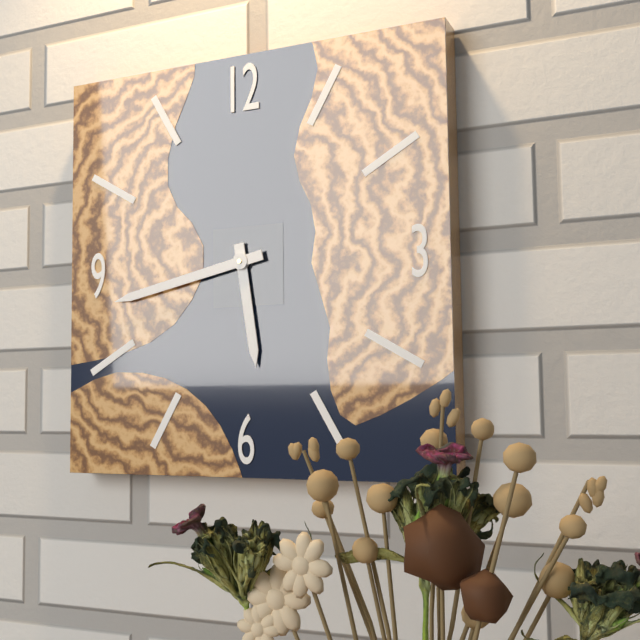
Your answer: **5:43**
